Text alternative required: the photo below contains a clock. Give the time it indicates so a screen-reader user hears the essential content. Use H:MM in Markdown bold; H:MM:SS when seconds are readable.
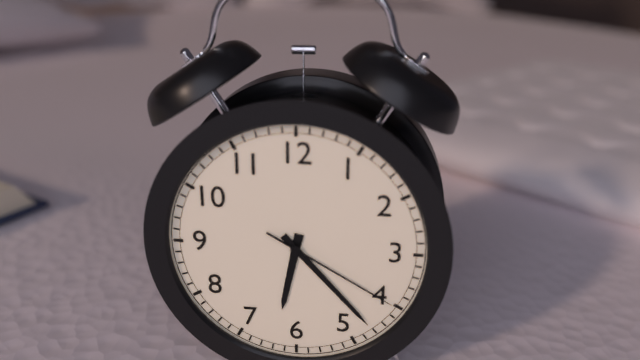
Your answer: **6:23:20**
